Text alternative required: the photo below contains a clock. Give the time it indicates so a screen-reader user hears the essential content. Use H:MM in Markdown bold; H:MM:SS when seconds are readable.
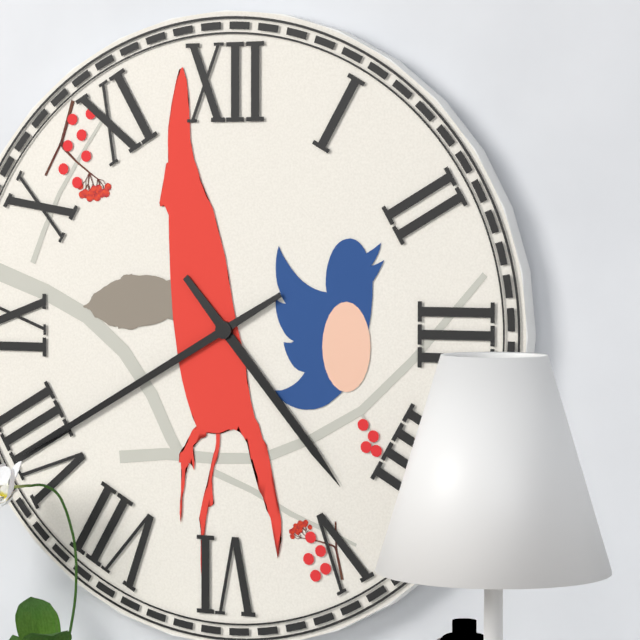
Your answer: **4:40**
